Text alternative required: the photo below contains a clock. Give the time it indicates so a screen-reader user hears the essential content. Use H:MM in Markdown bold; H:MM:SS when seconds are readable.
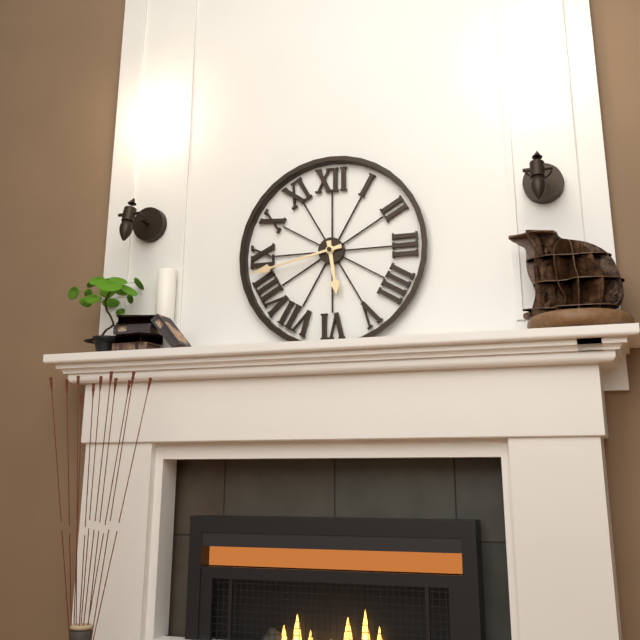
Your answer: **5:43**
